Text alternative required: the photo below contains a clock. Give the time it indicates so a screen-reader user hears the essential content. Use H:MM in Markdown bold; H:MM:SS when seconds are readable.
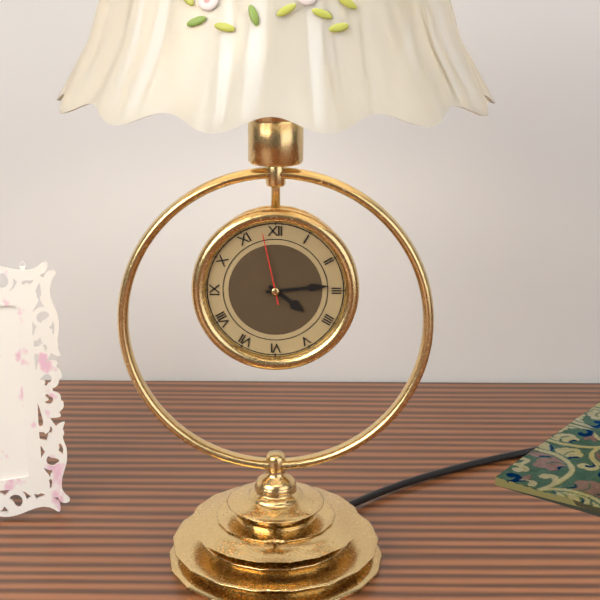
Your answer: **4:14:58**
